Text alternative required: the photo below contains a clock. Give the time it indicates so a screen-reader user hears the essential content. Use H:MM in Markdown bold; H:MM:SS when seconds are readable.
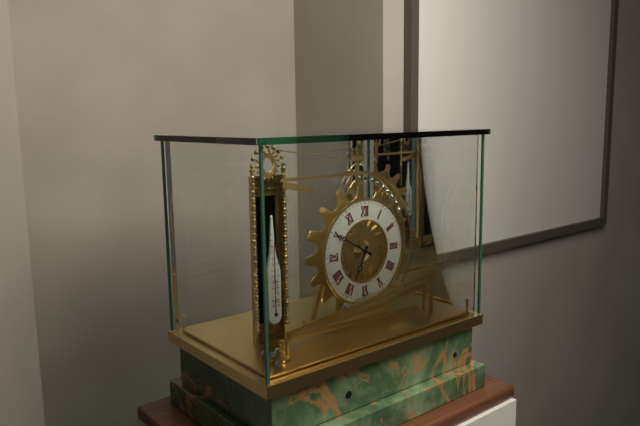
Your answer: **6:50**
